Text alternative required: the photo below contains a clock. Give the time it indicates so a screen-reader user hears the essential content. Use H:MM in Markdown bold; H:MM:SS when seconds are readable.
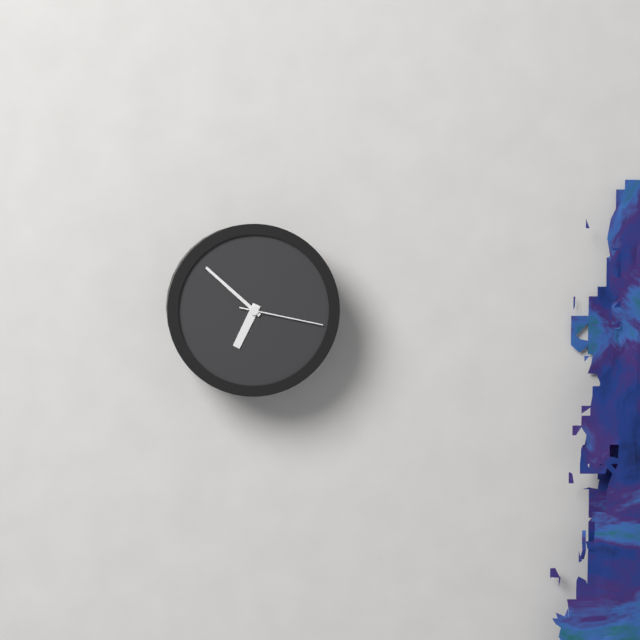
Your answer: **6:52:17**
